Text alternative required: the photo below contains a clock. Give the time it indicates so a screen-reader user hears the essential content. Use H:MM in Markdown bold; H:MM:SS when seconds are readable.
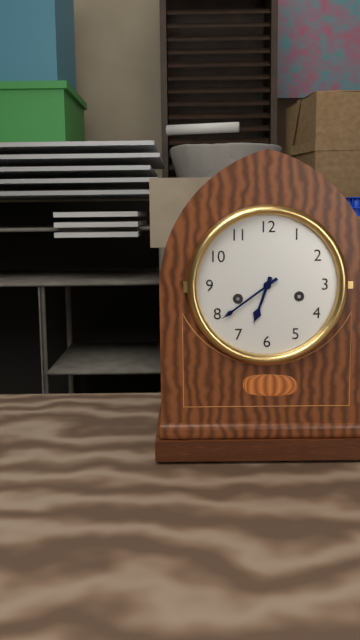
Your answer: **6:39**
